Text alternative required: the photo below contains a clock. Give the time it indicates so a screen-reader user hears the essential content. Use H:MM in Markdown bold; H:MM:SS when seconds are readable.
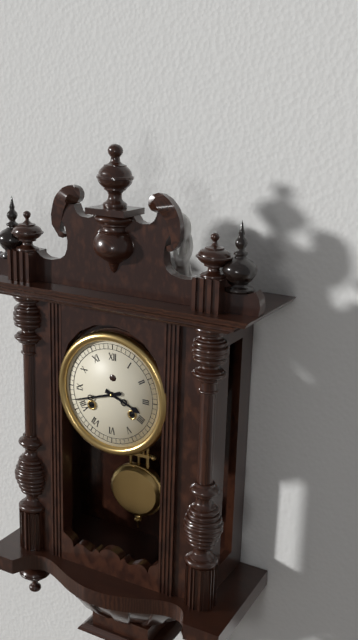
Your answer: **3:42**
